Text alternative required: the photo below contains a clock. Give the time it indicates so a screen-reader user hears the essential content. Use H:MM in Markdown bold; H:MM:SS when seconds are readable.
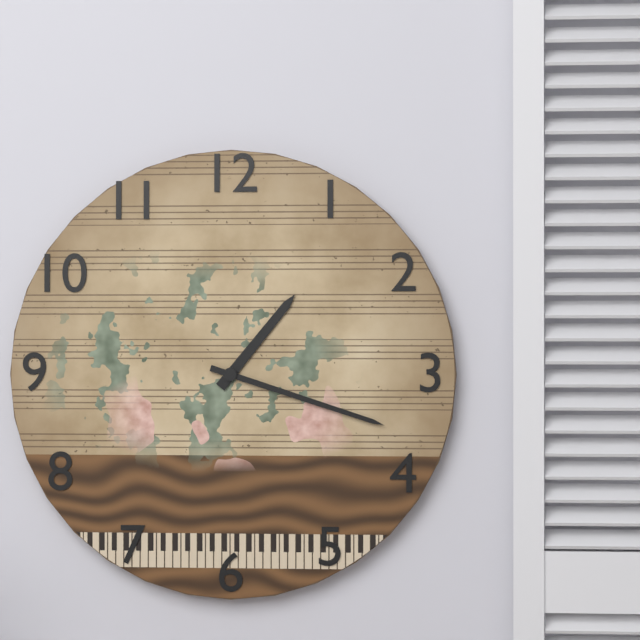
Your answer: **1:18**
